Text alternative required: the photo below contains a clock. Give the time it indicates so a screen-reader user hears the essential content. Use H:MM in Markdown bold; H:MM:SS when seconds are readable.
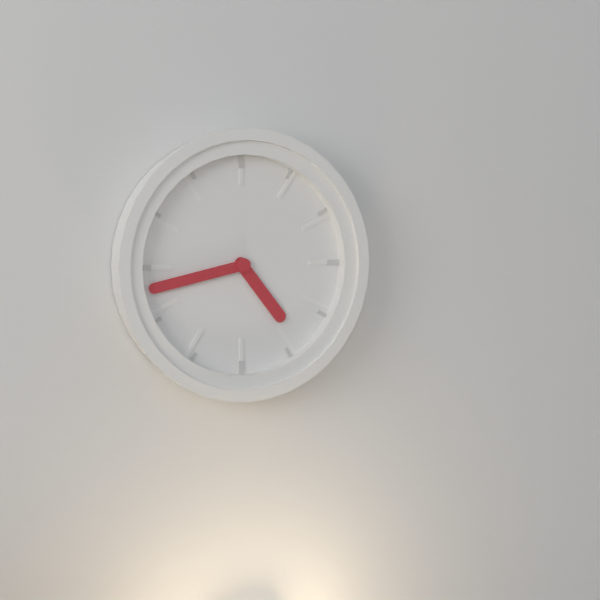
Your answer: **4:43**
